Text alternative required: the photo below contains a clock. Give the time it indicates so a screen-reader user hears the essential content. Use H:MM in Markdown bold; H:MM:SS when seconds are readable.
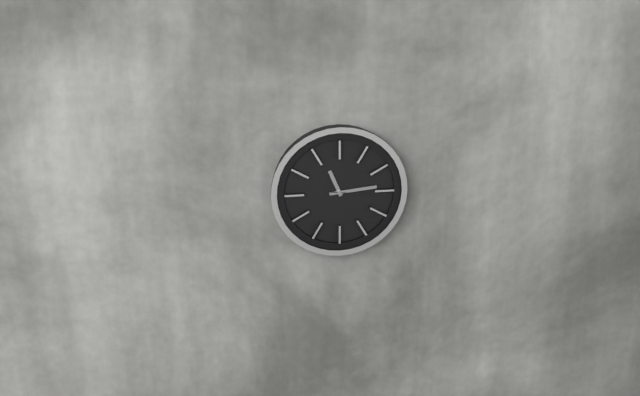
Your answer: **11:14:16**
